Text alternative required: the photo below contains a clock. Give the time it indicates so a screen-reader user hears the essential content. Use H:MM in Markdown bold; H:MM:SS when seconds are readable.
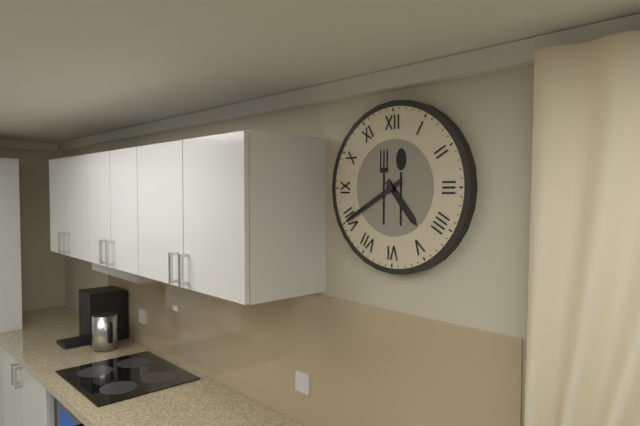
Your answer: **4:40**
